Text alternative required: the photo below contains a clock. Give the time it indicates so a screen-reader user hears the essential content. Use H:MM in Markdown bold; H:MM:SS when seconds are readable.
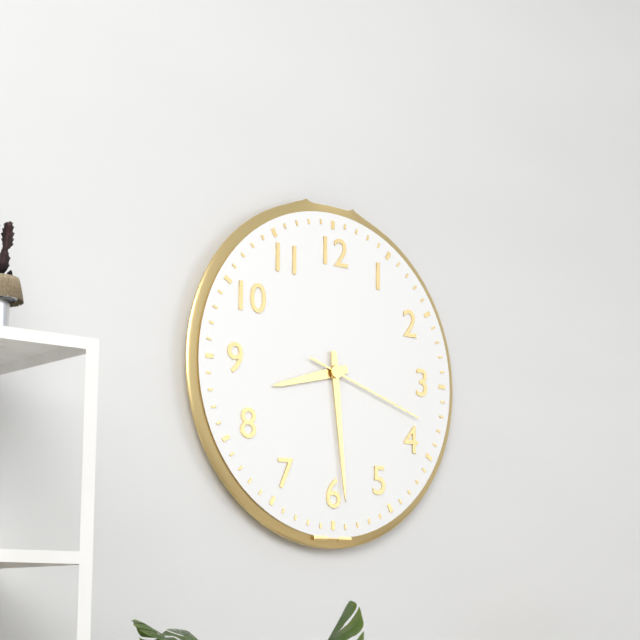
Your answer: **8:29:18**
